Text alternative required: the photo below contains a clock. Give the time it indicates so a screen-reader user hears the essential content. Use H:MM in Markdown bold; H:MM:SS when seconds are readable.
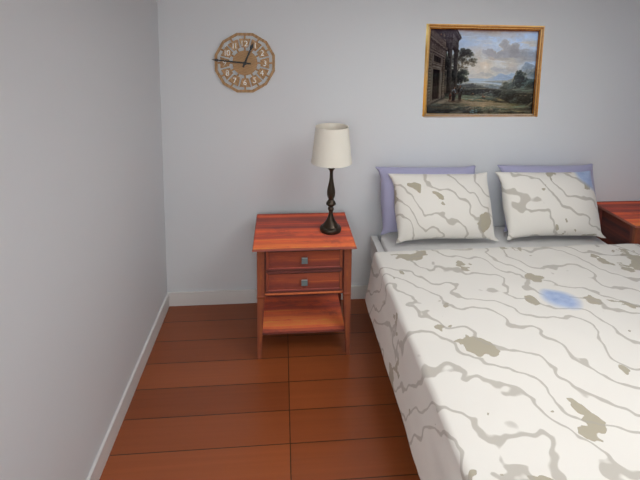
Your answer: **12:46**
